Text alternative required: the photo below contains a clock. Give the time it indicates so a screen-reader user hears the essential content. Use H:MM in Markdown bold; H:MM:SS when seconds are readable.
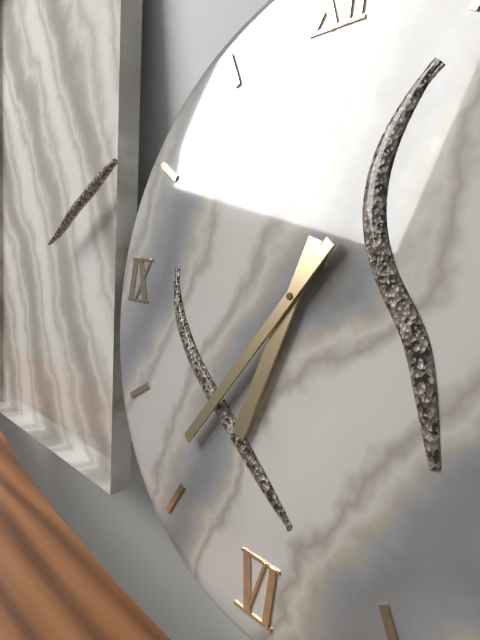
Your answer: **6:36**
